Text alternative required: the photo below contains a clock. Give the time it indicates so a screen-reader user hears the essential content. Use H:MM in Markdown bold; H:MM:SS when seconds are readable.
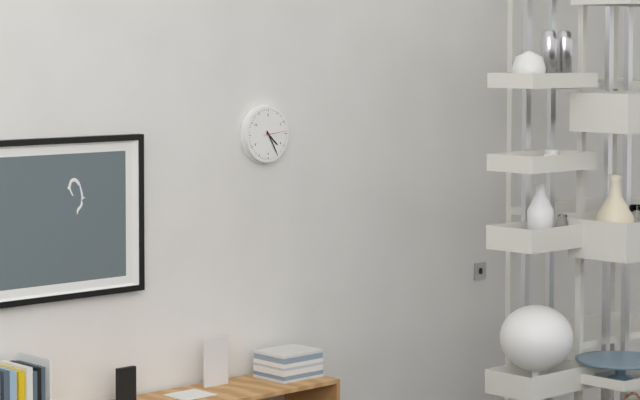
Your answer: **4:25**
